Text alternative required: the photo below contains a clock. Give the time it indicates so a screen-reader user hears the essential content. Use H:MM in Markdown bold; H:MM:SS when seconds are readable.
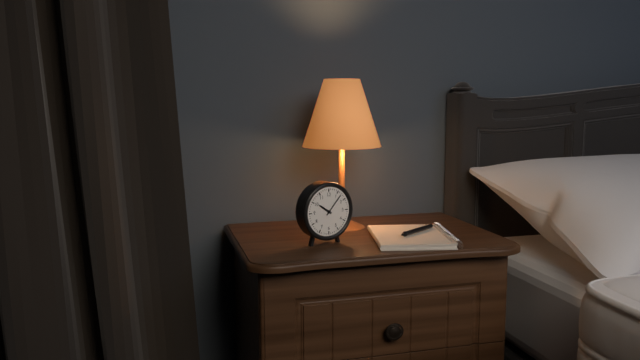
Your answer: **10:07**
